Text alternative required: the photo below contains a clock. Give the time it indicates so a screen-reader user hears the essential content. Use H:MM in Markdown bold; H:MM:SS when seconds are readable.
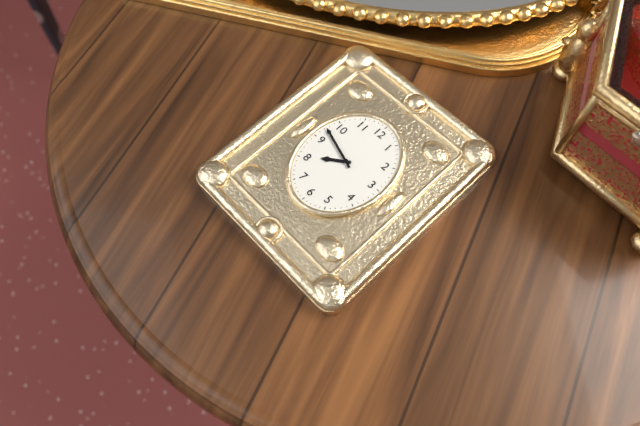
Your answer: **7:48**
